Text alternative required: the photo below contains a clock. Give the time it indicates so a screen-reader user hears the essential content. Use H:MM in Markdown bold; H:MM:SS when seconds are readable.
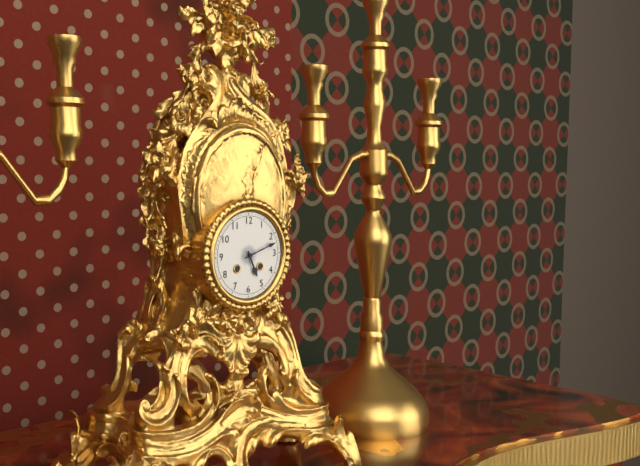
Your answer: **5:12**
